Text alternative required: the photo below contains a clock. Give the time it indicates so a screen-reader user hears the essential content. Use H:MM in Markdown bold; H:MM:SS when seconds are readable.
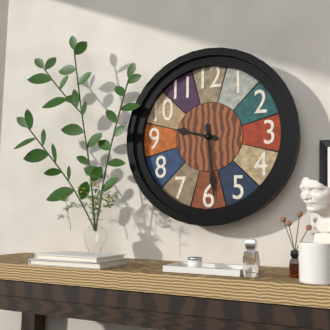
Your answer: **9:29**
